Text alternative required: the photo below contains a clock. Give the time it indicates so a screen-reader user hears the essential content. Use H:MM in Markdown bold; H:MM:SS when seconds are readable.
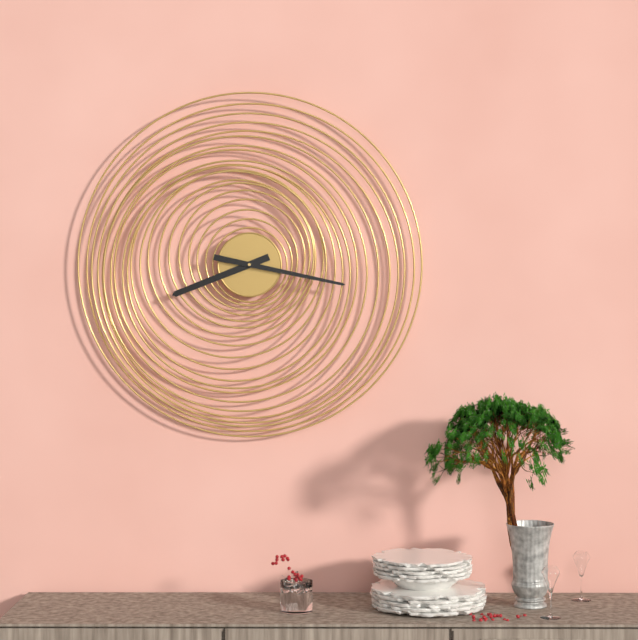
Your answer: **8:17**
